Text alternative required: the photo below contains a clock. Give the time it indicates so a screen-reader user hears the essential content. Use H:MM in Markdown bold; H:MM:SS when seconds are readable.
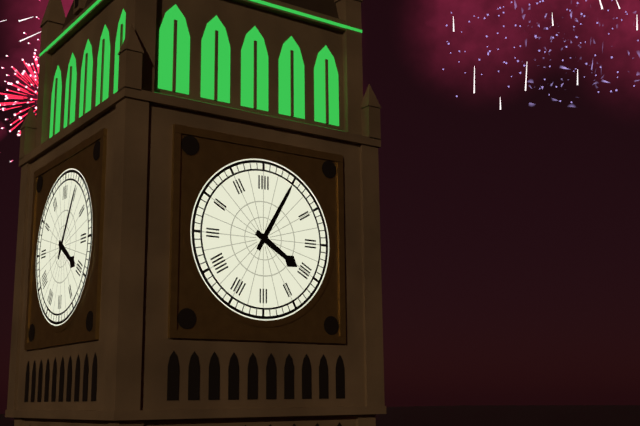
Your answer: **4:05**
